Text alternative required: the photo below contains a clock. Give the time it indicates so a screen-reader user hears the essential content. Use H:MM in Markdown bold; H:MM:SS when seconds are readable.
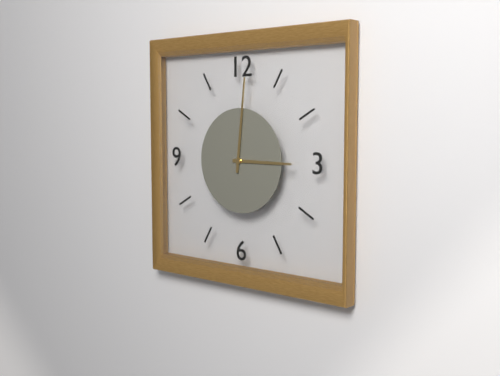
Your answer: **3:01**
